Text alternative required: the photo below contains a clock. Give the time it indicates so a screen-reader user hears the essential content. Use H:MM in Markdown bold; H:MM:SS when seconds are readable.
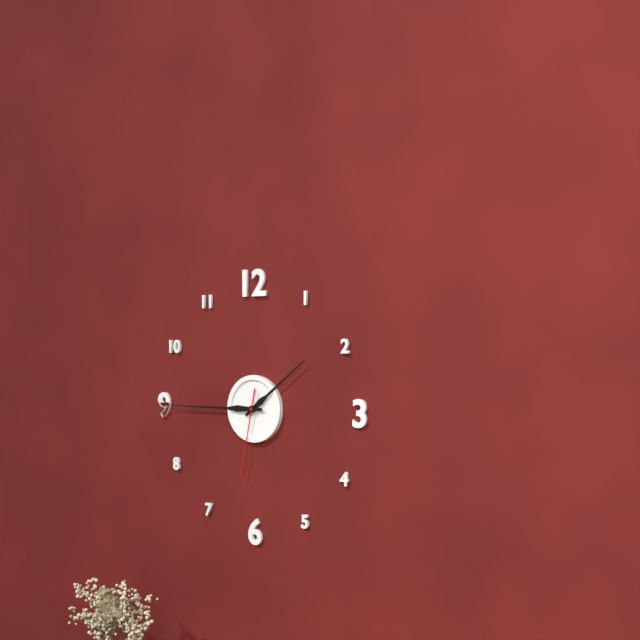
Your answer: **1:45:32**
